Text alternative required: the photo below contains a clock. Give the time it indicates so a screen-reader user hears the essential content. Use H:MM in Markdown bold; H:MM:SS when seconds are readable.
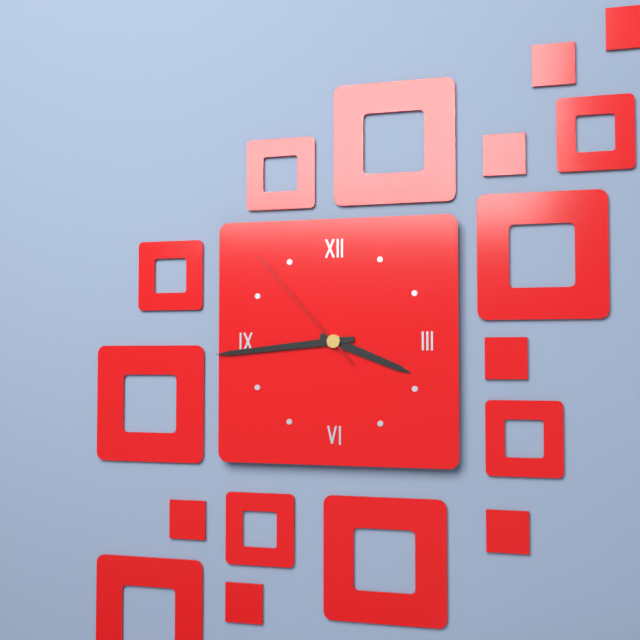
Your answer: **3:44:53**
